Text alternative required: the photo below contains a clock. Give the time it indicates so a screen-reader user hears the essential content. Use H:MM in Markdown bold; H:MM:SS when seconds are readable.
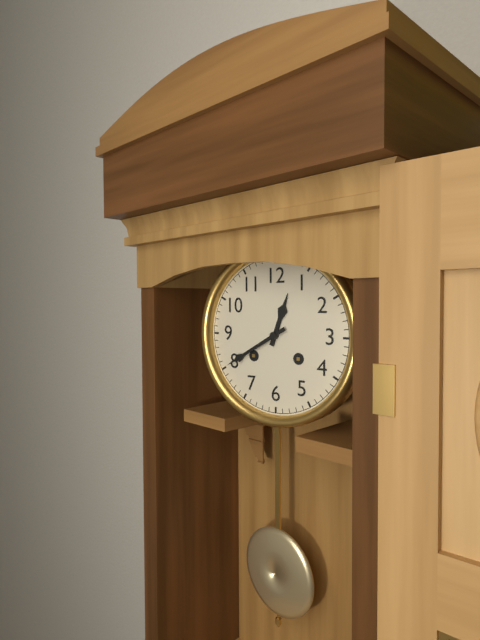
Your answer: **12:40**
